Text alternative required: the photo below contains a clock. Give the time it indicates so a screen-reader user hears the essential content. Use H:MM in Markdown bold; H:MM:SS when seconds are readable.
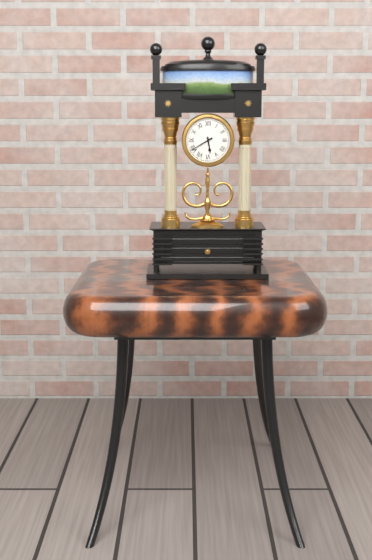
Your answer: **5:40**
